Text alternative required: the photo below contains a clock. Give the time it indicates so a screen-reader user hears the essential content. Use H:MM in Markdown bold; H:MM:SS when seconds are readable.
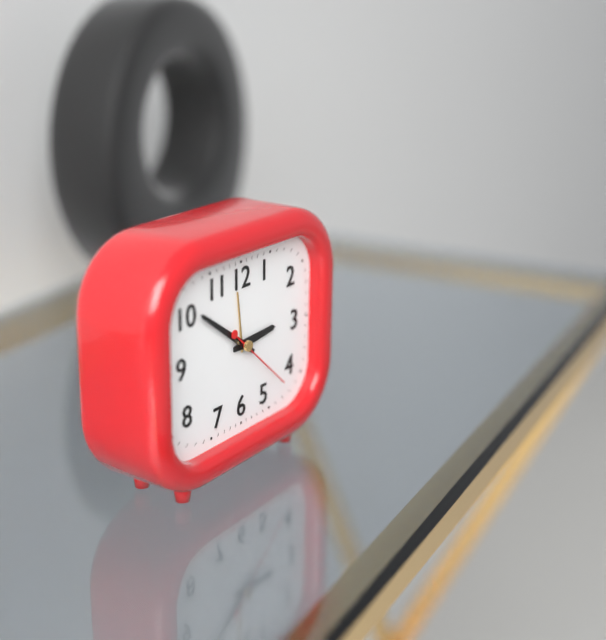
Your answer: **2:51:22**
